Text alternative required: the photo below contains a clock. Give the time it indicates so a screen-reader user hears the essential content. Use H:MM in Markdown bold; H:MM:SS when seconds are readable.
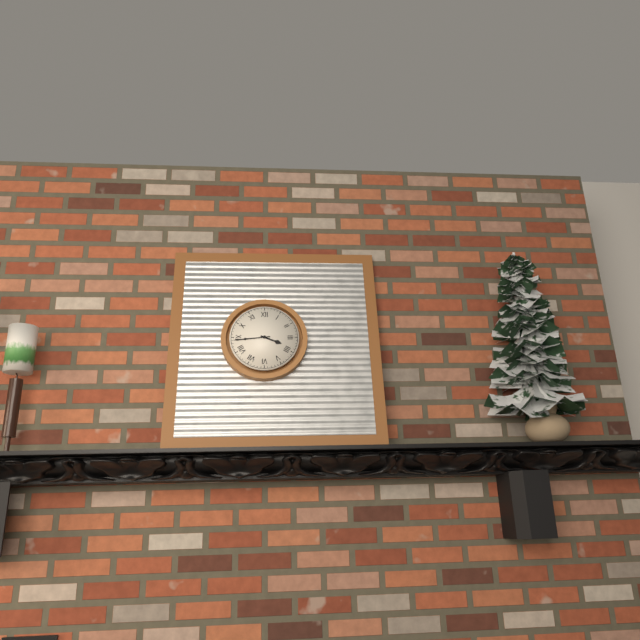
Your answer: **3:44**
